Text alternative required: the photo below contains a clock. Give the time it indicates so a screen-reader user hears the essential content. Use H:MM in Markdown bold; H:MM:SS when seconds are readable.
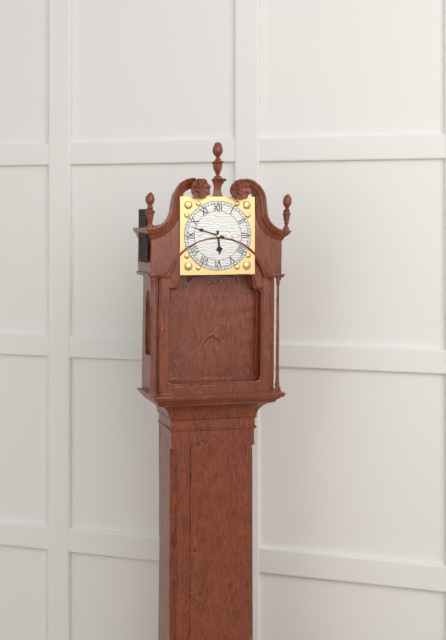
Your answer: **5:48**
